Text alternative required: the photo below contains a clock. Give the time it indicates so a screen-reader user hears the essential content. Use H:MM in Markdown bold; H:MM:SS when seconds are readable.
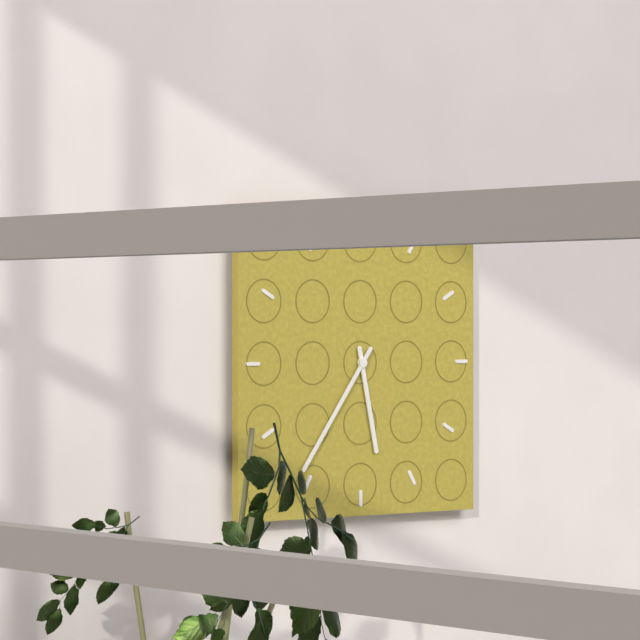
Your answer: **5:36**
